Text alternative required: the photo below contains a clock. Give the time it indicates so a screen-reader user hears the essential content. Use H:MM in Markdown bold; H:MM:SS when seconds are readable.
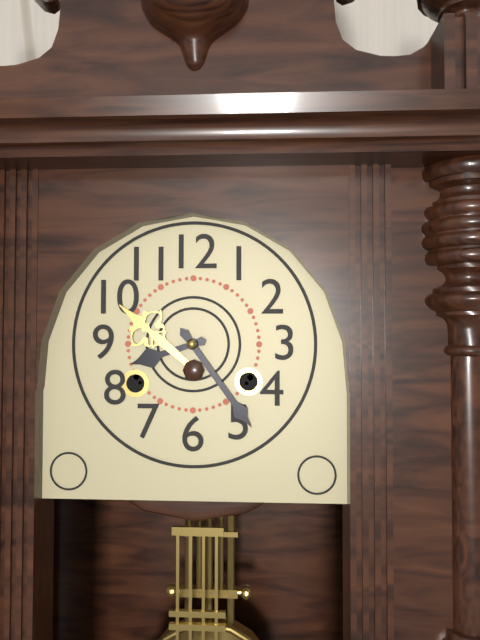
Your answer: **8:24**
